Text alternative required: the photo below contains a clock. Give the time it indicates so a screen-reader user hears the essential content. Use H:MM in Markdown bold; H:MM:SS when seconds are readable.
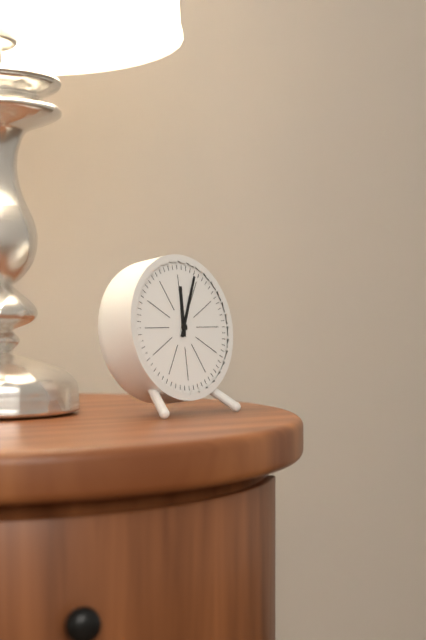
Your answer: **12:04**
